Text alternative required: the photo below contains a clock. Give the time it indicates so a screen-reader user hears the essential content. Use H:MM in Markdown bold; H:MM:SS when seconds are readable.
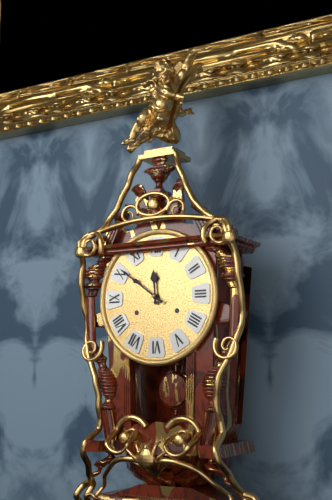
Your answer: **11:51**
